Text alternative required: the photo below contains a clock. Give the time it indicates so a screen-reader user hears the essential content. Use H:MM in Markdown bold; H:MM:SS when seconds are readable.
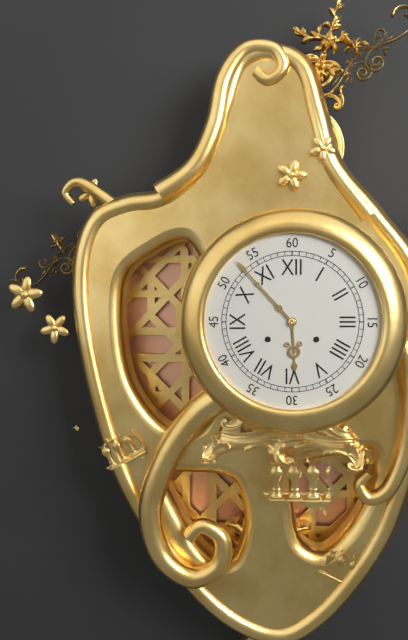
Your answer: **5:53**
